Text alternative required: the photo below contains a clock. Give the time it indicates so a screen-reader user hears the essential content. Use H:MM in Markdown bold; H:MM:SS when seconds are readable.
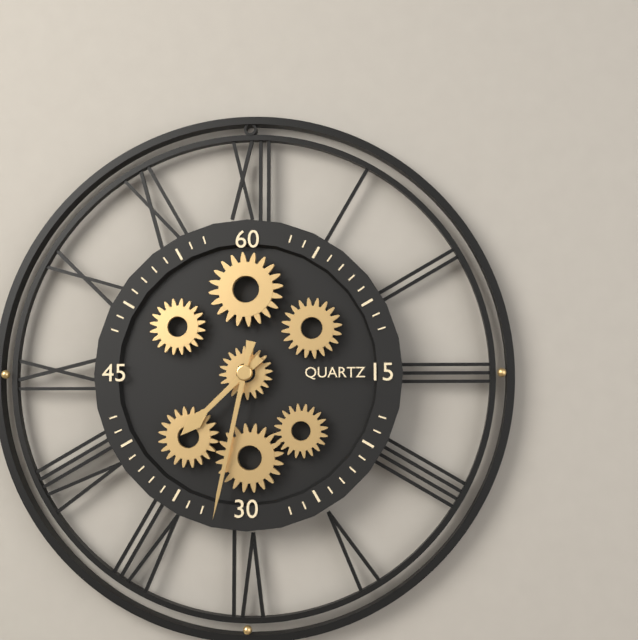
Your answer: **7:32**
